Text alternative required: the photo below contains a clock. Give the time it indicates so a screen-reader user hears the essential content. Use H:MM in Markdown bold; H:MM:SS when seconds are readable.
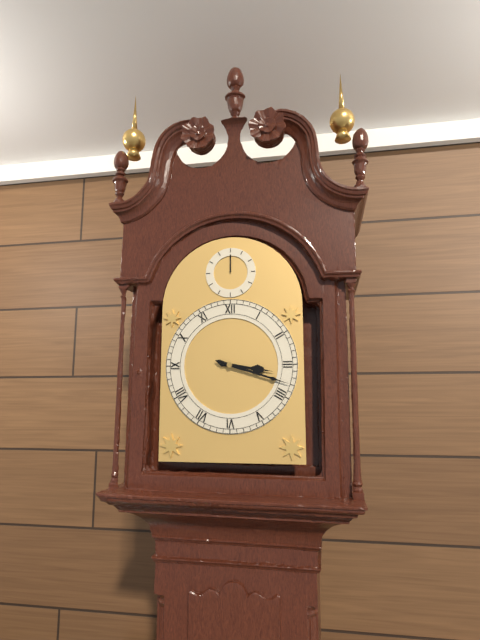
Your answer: **3:18**
